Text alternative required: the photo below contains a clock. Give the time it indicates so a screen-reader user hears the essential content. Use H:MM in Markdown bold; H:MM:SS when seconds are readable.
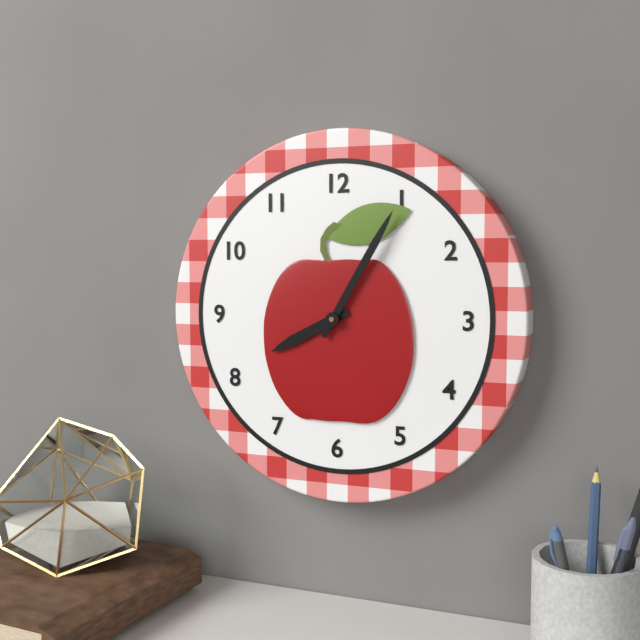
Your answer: **8:05**
